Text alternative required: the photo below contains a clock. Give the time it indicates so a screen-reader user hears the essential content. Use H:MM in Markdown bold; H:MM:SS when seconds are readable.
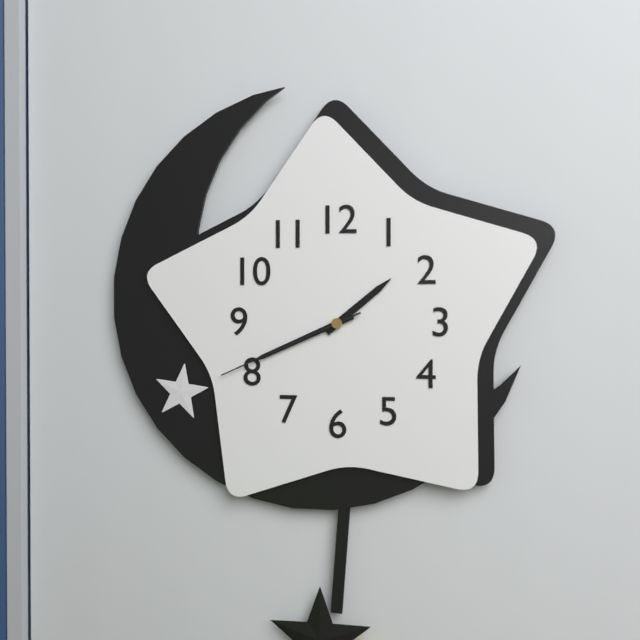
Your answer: **1:41:41**
